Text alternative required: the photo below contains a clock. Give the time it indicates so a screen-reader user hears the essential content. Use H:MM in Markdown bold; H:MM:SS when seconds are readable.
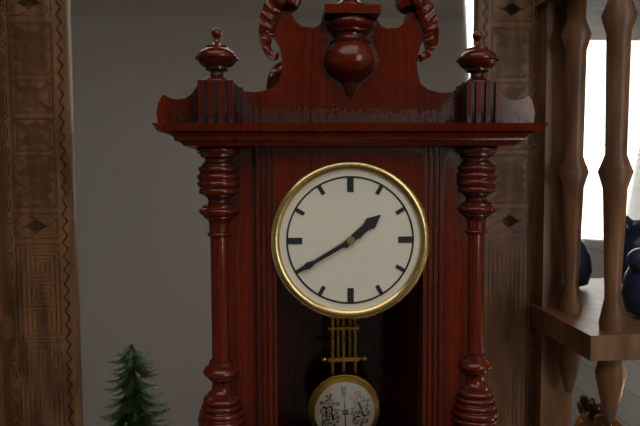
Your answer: **1:40**
